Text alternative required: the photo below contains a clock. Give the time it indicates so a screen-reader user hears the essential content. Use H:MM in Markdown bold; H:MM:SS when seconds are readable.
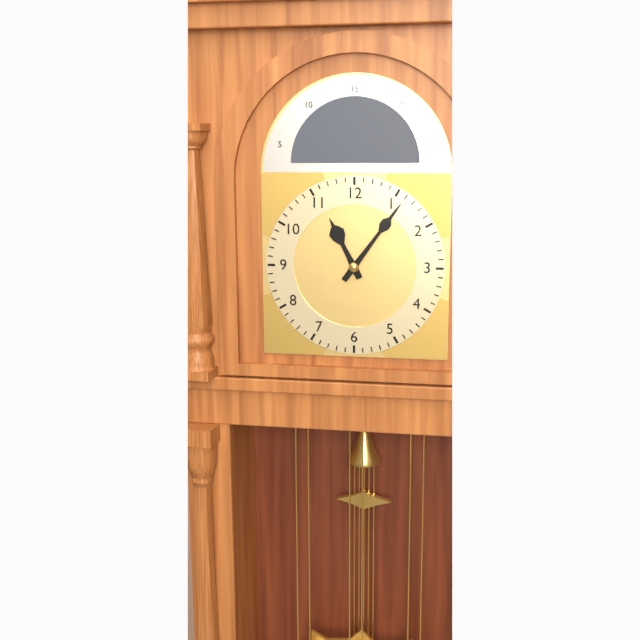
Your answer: **11:06**
